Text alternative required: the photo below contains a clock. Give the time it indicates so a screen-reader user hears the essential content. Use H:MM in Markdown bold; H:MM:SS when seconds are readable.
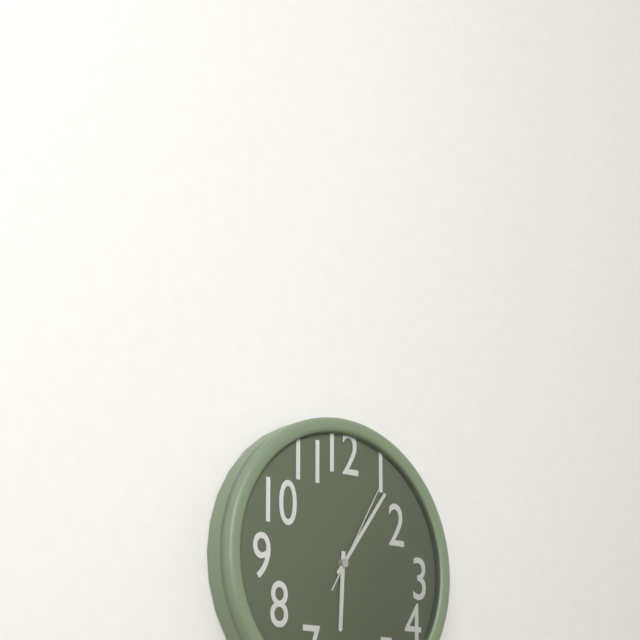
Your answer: **6:06:05**
